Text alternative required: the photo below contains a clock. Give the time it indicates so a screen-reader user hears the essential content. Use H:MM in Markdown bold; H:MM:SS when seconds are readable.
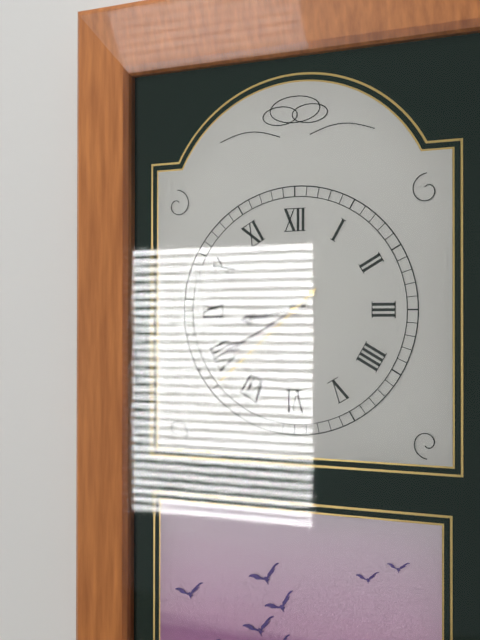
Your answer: **8:40:38**
